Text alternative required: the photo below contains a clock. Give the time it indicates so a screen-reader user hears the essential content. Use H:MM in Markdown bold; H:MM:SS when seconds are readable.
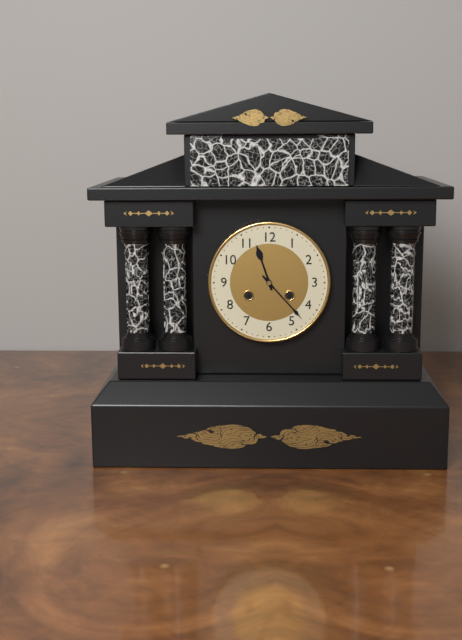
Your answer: **11:23**
